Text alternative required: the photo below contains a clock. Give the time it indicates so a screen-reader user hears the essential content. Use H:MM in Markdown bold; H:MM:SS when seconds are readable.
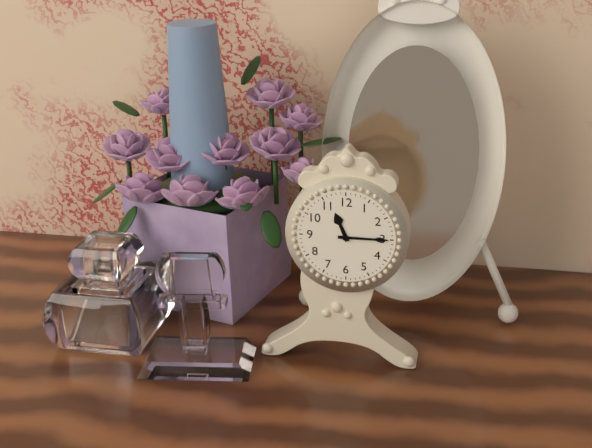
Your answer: **11:15**
